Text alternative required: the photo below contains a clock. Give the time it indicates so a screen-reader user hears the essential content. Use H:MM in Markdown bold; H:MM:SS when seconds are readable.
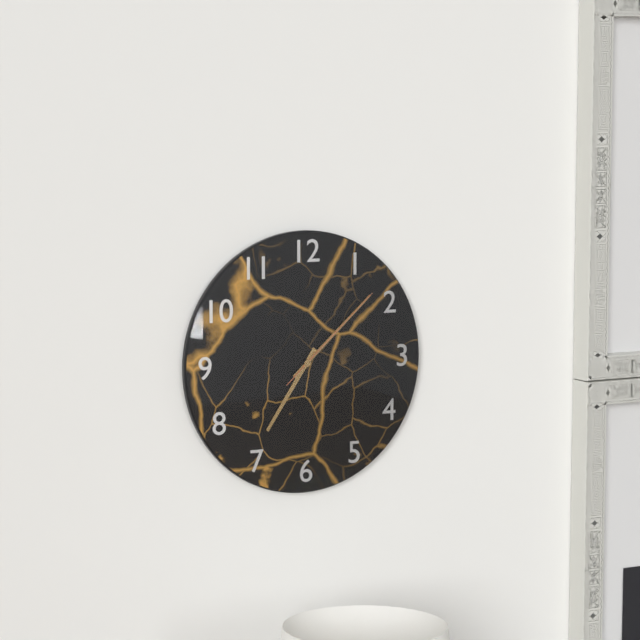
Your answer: **7:08:08**
